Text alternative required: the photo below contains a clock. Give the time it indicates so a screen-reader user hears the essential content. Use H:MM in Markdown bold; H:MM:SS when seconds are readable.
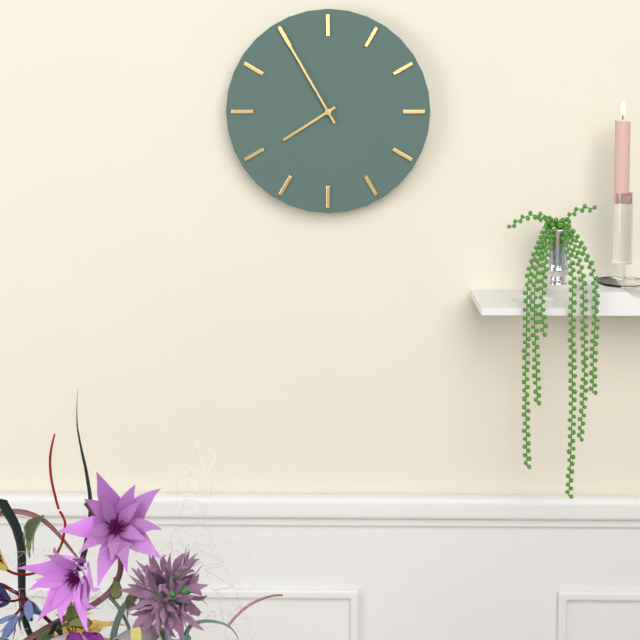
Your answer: **7:55**
